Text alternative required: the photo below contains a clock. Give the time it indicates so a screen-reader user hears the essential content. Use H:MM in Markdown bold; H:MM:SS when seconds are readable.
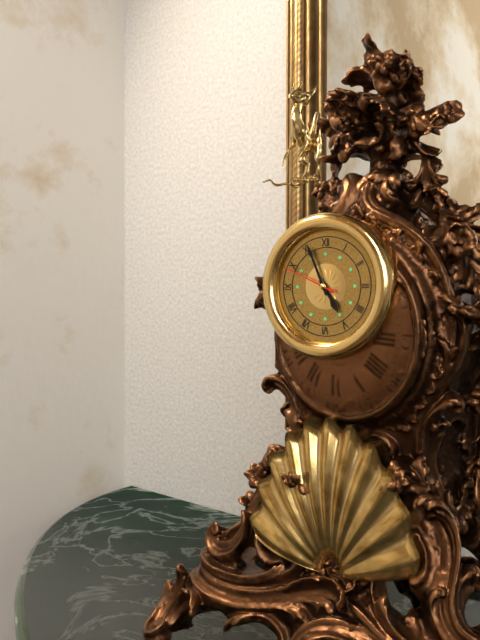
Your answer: **4:56:49**
